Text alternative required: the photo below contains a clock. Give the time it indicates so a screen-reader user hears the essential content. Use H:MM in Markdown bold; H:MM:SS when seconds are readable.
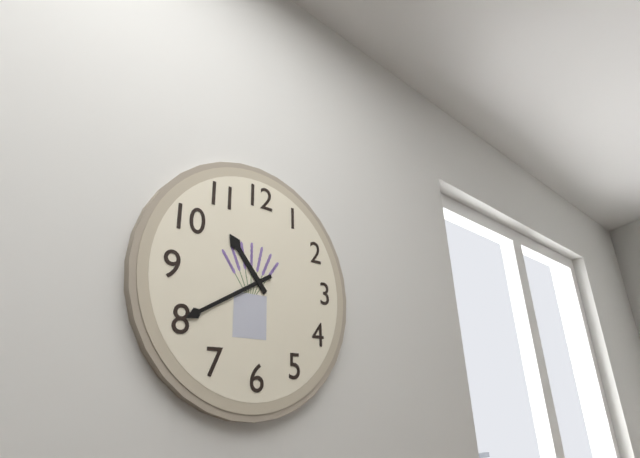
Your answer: **10:40**
